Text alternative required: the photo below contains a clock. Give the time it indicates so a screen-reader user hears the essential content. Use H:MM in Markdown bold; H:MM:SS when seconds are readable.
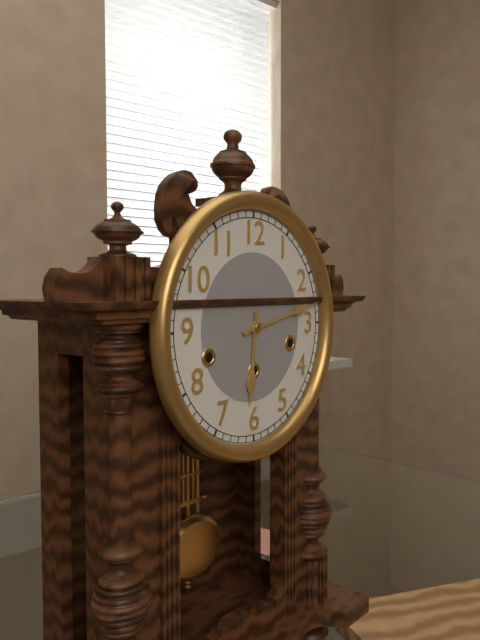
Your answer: **6:13**
